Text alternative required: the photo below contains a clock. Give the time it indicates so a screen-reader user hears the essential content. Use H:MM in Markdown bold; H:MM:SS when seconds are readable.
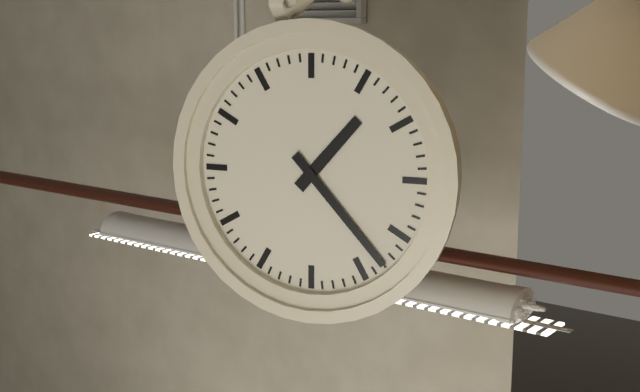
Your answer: **1:23**
